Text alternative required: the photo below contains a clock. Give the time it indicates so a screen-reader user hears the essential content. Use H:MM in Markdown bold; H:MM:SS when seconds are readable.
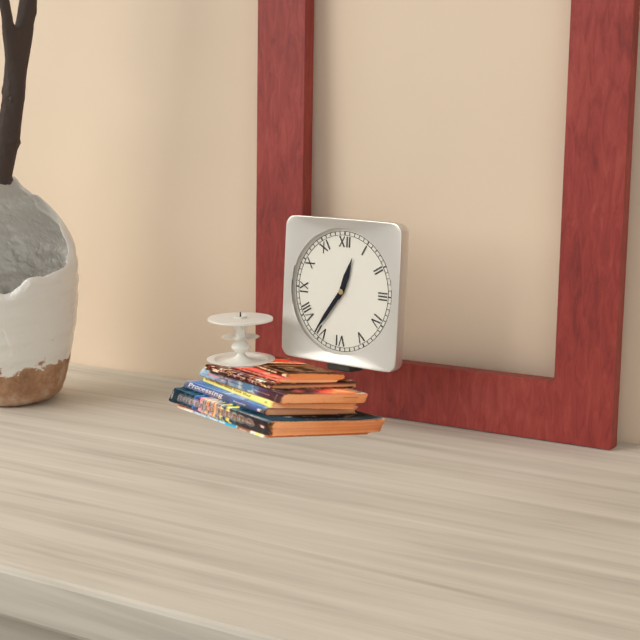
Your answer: **12:36**
